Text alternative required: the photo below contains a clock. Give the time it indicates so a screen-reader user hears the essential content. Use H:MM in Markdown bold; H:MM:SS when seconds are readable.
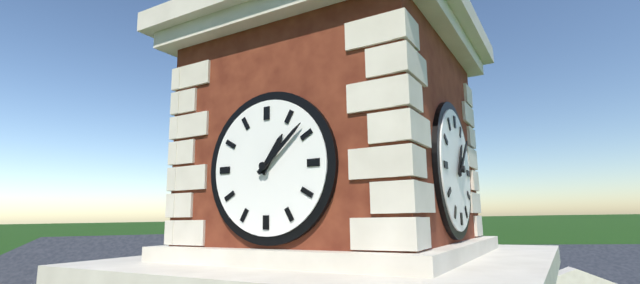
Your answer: **1:08**
